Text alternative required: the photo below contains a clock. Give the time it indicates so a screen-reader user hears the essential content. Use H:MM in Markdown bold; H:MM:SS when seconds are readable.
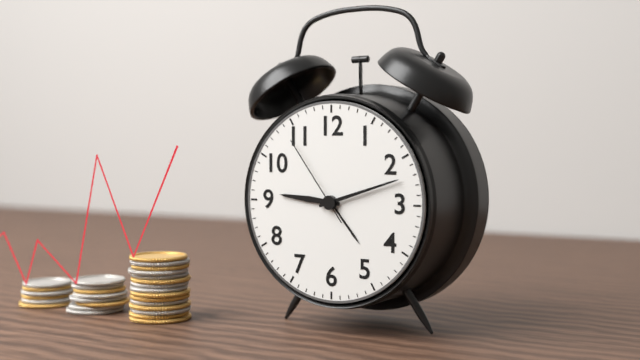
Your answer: **9:12:54**
